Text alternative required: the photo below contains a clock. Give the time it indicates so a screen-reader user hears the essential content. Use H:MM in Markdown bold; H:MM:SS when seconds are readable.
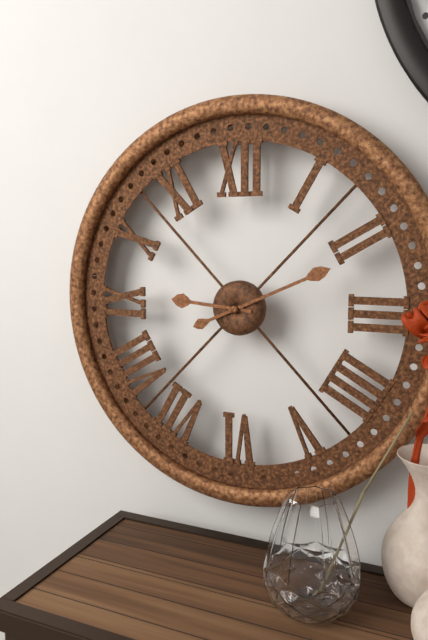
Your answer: **9:11**
